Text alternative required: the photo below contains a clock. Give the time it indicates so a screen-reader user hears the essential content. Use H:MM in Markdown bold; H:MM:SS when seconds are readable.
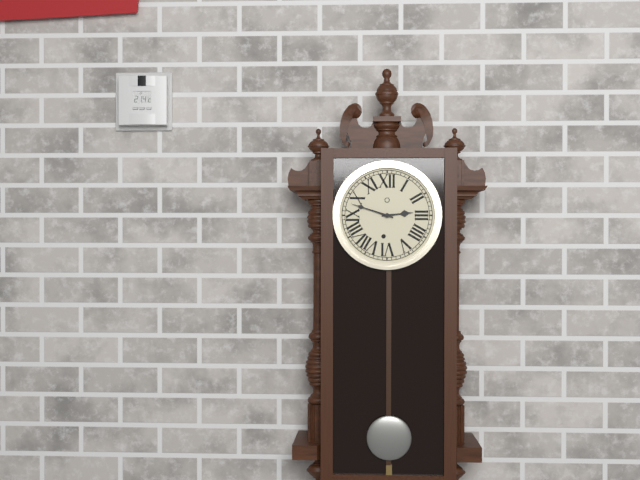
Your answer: **2:48**
